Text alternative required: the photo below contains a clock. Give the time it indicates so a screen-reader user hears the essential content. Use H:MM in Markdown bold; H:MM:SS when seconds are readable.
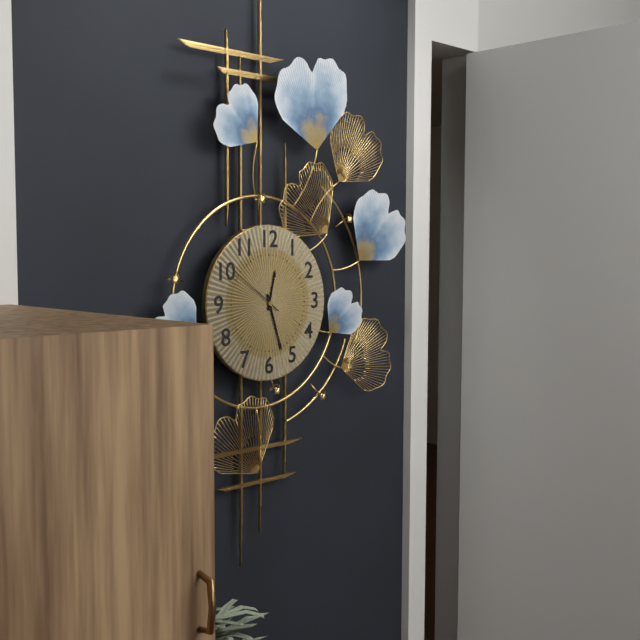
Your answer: **12:27:51**
